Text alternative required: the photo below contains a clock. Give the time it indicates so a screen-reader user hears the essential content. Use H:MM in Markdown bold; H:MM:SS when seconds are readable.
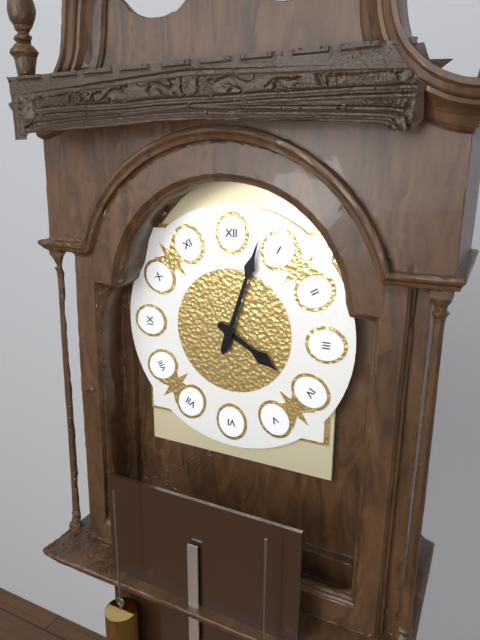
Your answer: **4:03**
